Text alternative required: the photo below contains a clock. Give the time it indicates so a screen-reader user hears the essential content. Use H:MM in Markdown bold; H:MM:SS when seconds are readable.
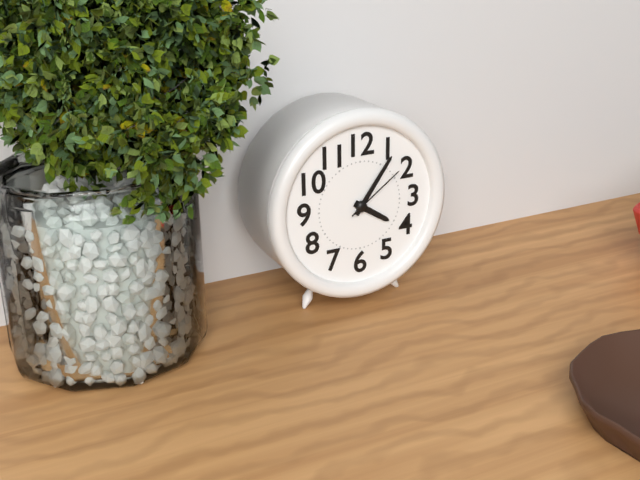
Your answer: **4:06:09**
